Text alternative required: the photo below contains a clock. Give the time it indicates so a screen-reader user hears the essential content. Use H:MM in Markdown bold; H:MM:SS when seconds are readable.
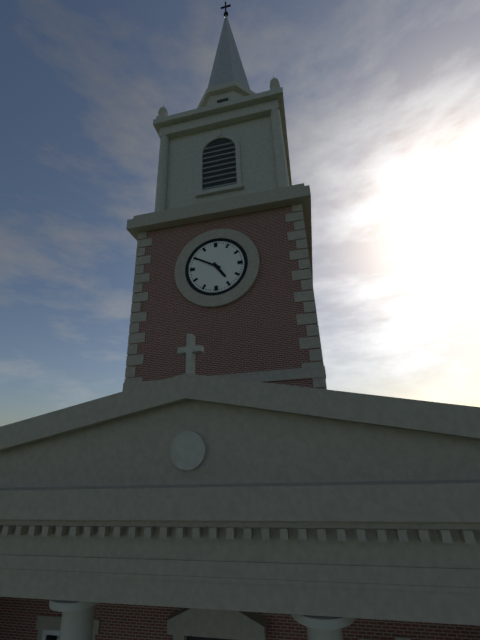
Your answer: **4:50**
